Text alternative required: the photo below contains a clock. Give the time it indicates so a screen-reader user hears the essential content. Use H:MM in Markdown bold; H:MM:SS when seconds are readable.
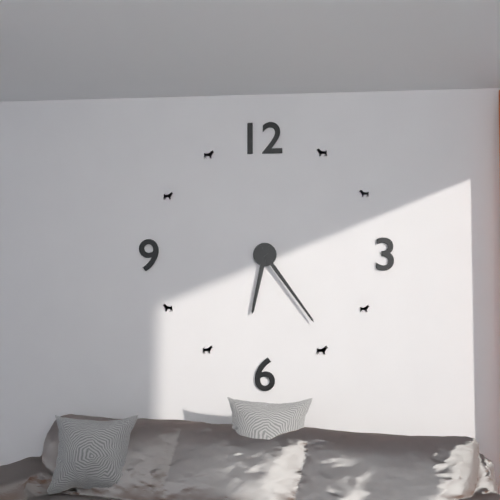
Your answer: **6:24**
